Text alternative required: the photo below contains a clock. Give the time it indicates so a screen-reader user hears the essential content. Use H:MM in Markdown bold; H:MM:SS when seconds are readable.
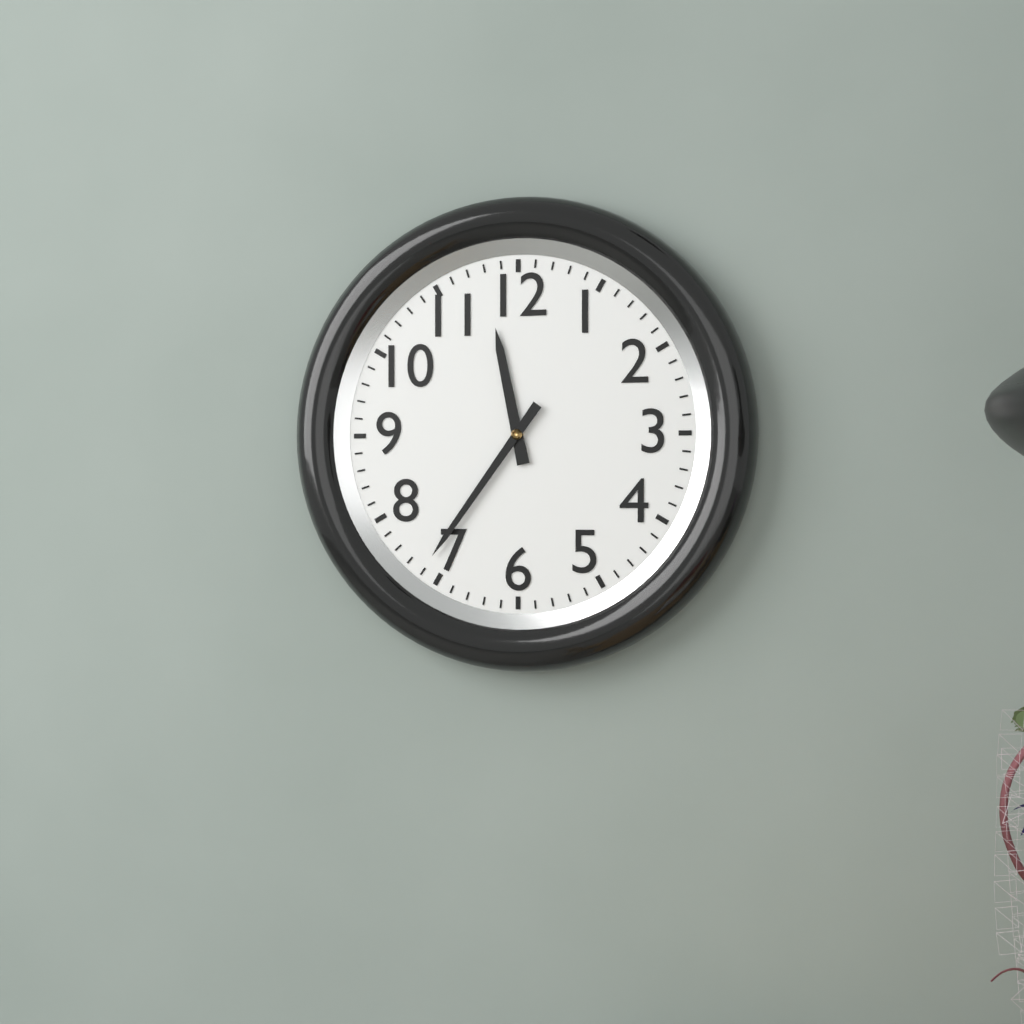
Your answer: **11:36**
